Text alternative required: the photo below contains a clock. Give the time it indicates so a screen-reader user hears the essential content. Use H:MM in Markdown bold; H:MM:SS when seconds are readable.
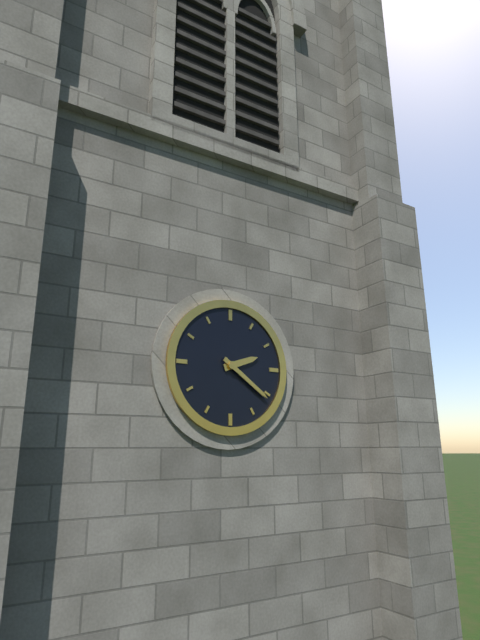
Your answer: **2:21**
